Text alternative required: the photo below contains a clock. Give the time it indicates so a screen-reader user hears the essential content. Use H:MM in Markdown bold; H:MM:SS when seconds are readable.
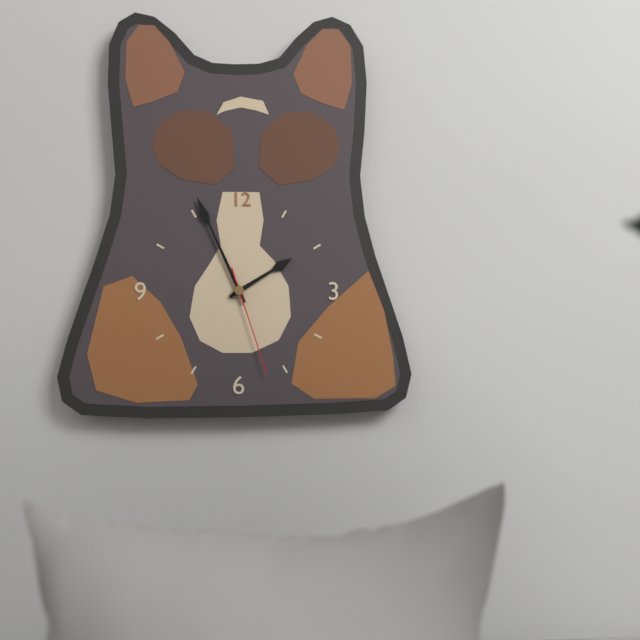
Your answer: **1:56:27**
